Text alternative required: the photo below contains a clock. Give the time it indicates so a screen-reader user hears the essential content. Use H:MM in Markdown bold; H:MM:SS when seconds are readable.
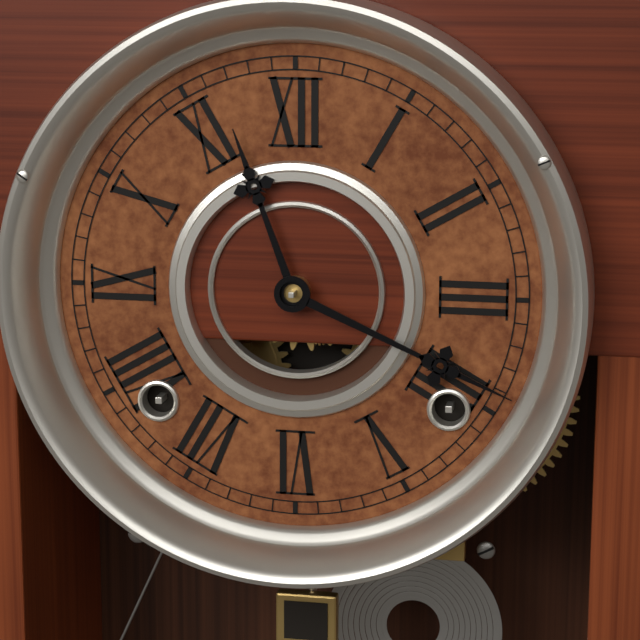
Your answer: **11:19**
